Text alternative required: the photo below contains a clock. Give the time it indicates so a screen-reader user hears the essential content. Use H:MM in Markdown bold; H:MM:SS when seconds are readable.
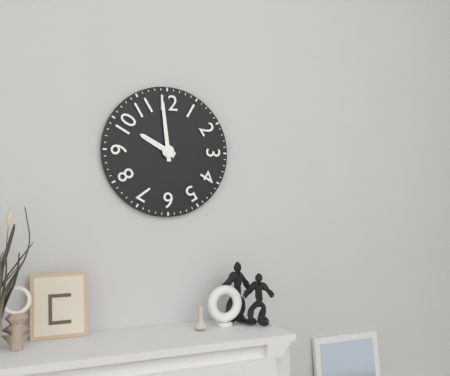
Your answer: **9:59**
